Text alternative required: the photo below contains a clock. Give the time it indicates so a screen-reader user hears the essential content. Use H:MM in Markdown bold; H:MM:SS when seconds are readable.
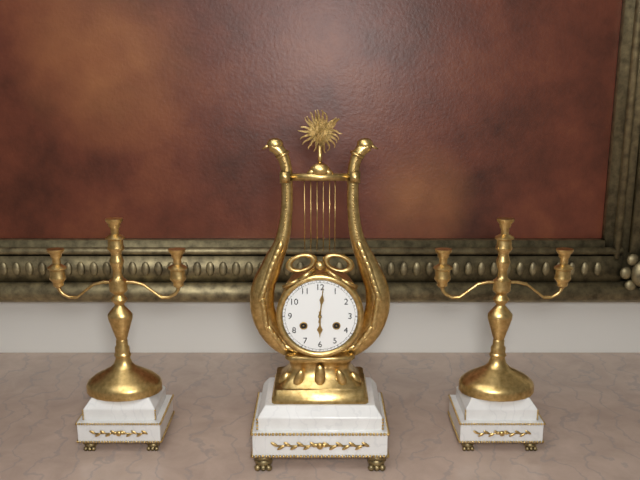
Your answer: **6:01**
